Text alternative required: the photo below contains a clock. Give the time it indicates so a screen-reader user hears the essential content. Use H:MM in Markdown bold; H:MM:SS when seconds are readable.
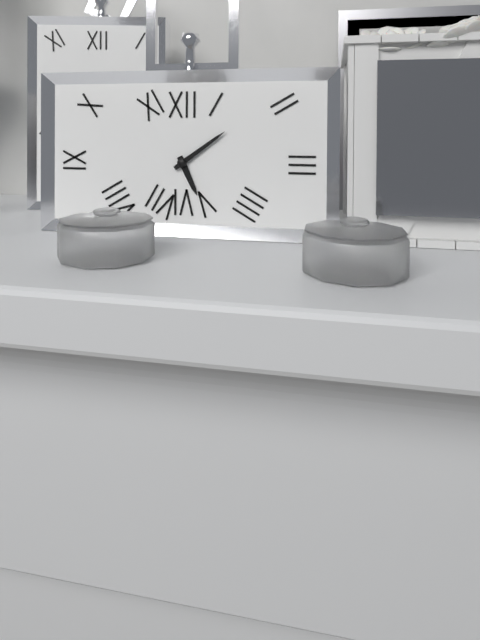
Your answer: **5:09**
